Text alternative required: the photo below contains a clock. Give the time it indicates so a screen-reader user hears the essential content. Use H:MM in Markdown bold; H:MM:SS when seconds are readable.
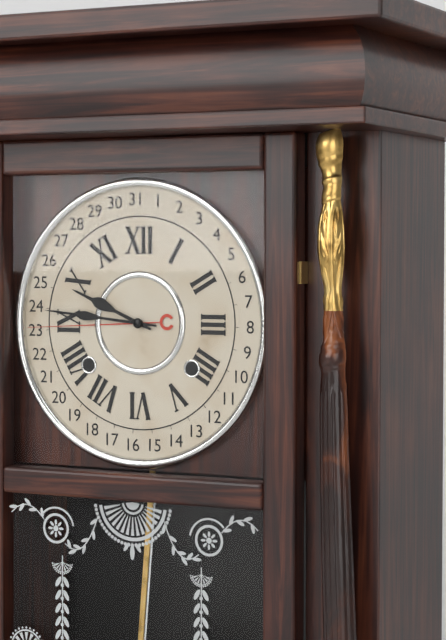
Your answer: **9:46**
